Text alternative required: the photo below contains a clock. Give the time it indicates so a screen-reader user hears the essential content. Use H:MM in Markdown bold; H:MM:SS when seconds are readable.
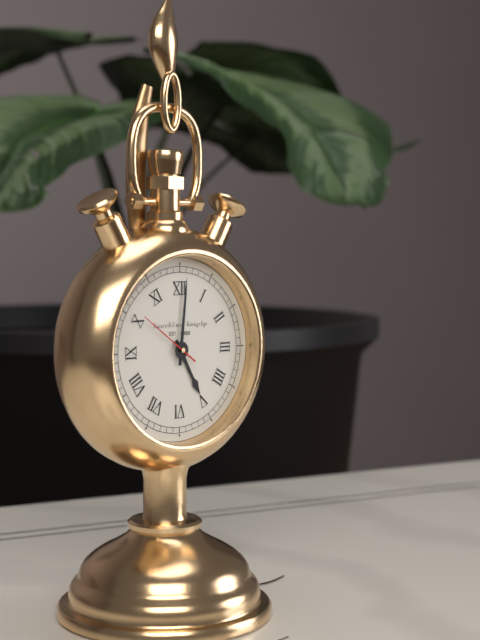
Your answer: **5:01**
